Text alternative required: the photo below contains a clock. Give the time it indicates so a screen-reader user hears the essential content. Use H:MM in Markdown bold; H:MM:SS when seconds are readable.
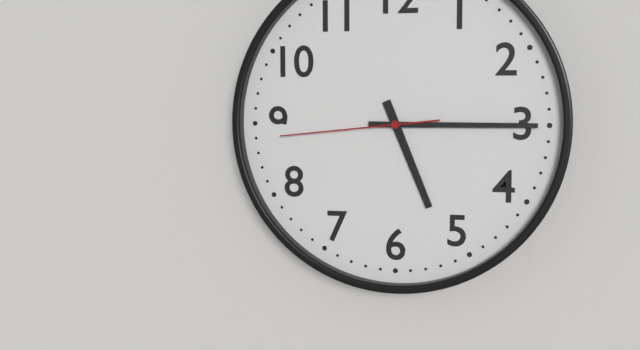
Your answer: **5:15:44**
